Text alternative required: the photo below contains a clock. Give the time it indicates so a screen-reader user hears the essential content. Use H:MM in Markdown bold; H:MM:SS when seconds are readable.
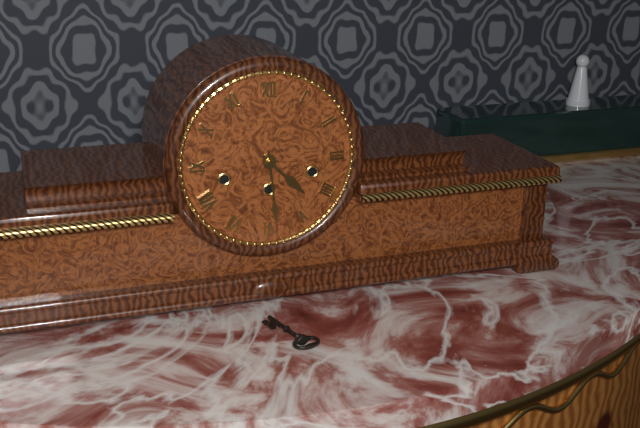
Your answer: **4:29**
